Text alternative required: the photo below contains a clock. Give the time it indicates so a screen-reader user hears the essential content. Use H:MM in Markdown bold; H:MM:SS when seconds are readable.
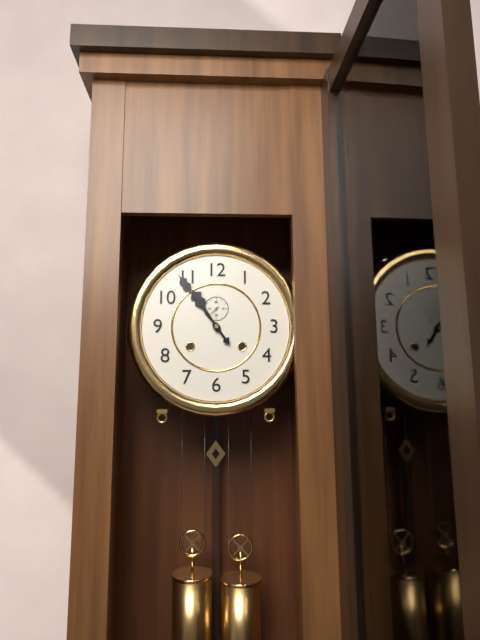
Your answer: **10:54**
